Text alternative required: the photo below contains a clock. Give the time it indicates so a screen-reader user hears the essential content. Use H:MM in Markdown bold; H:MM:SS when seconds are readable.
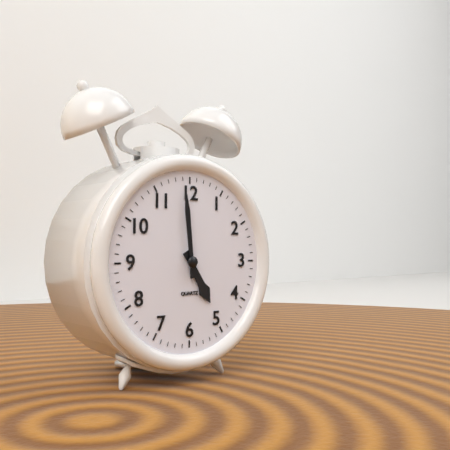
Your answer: **4:59**
